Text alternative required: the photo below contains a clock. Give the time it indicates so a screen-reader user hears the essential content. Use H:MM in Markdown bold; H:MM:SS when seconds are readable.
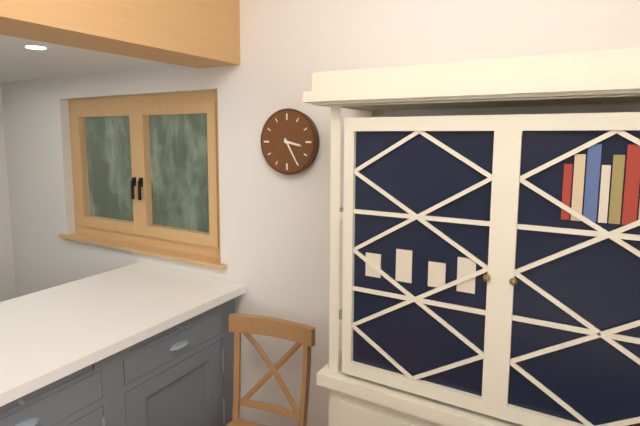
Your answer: **3:25**
